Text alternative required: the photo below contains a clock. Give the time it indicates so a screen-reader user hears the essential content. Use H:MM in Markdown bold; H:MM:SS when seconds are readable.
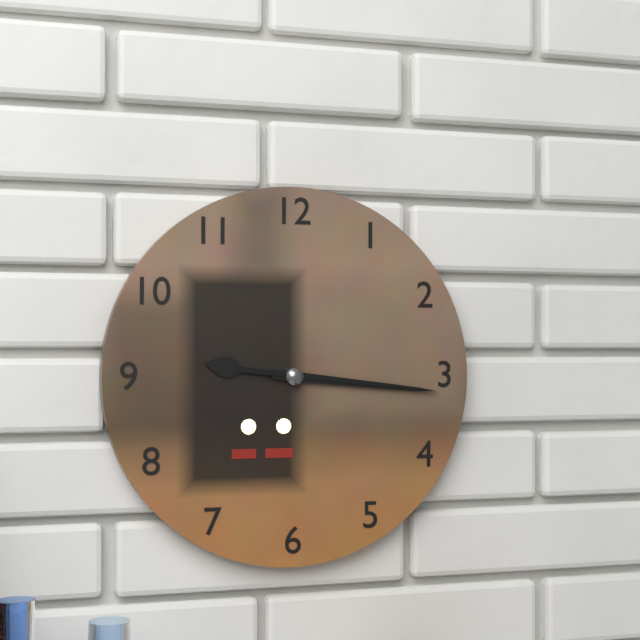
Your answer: **9:16:16**
